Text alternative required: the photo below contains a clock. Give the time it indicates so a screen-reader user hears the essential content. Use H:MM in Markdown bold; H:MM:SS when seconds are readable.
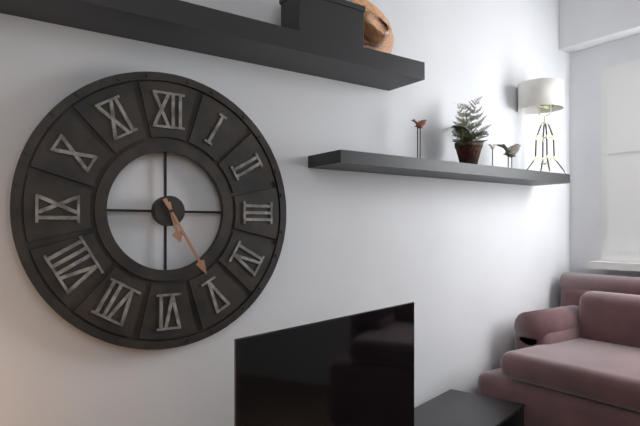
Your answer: **5:25**
